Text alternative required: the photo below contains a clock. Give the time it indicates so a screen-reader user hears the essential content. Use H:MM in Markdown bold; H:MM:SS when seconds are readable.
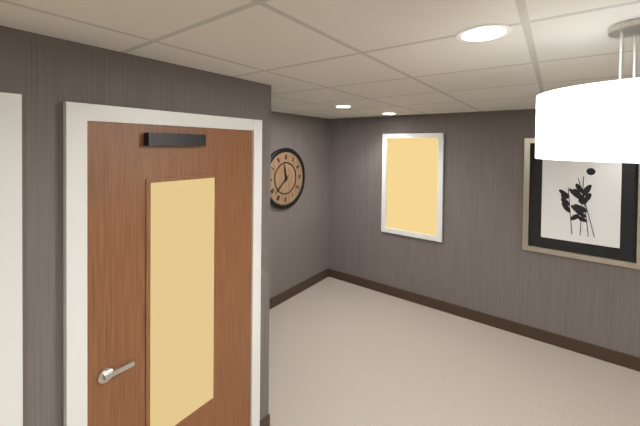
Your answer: **11:38**
